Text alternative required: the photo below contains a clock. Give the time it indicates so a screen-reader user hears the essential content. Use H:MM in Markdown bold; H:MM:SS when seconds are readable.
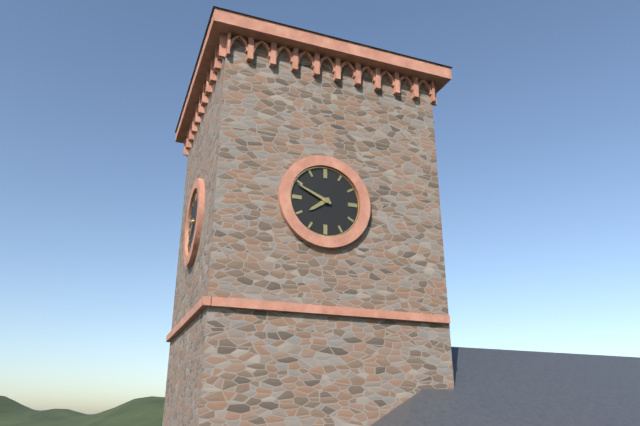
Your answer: **7:49**
